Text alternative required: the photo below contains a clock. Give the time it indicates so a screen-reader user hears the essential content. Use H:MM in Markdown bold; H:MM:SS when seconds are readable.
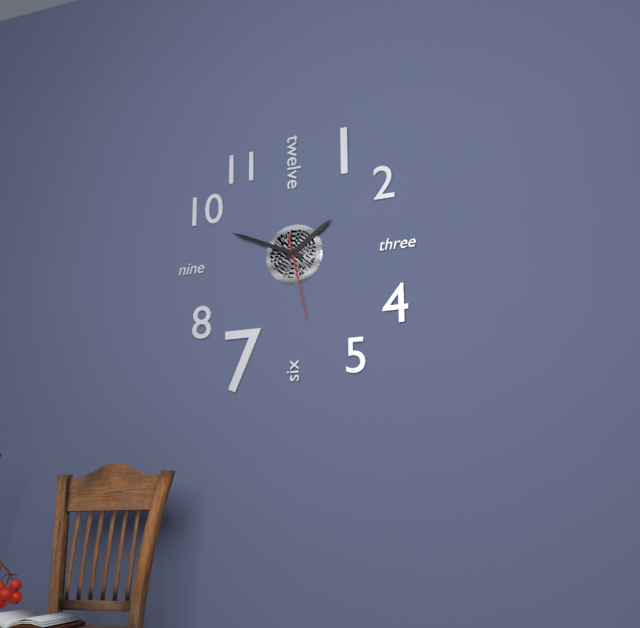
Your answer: **1:49:28**
